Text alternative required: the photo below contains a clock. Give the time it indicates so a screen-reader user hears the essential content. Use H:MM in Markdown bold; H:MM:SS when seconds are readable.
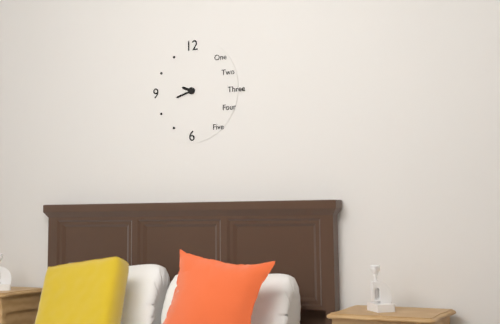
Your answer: **9:42**
